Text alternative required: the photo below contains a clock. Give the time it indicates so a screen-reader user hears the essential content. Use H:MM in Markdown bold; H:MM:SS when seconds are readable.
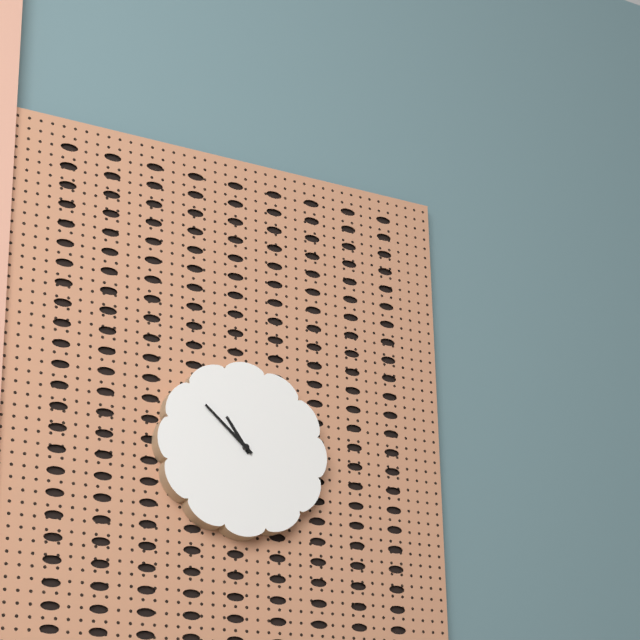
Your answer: **10:52**
